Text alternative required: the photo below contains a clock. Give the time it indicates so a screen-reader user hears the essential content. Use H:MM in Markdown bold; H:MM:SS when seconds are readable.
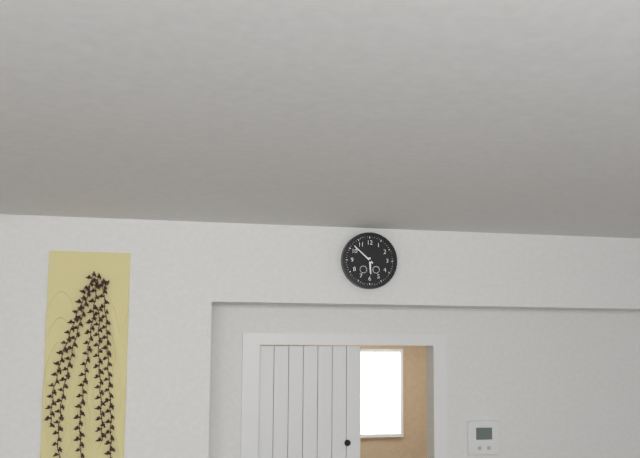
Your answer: **5:52**
